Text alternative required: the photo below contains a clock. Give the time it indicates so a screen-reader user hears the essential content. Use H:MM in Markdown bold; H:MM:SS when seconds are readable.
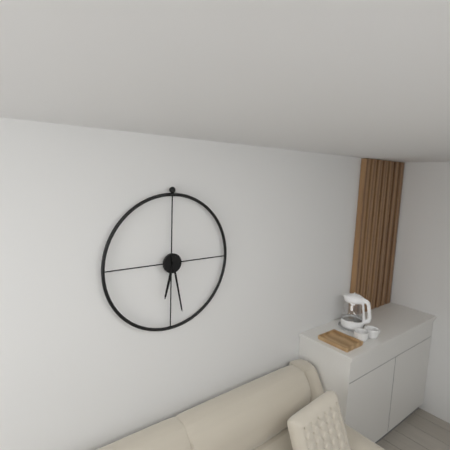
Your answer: **6:28**
